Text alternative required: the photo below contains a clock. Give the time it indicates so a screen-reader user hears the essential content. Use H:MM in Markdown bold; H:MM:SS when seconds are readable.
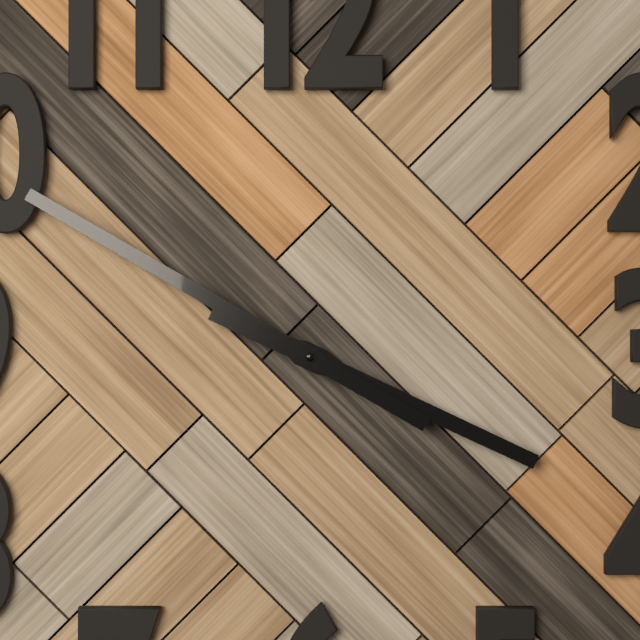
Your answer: **3:50**
